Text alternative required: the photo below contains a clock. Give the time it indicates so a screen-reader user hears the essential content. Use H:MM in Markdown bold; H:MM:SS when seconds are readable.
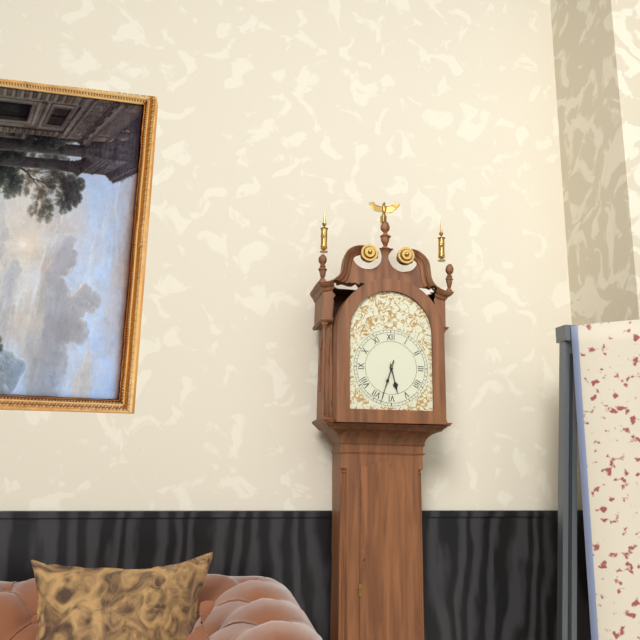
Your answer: **5:33**
